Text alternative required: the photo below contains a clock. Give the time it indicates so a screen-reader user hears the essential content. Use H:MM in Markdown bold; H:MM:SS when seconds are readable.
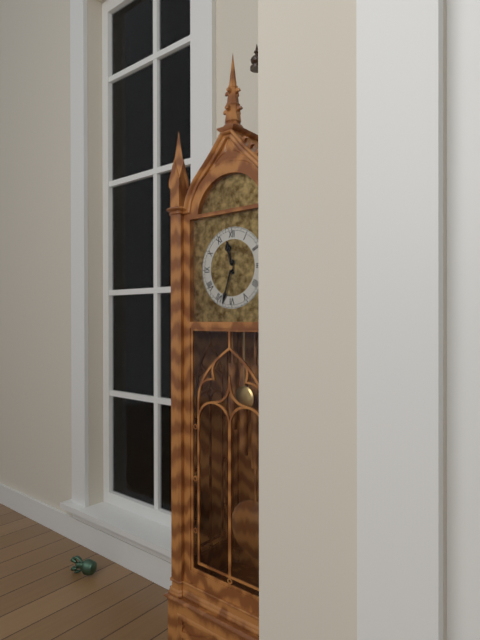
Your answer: **11:33**
